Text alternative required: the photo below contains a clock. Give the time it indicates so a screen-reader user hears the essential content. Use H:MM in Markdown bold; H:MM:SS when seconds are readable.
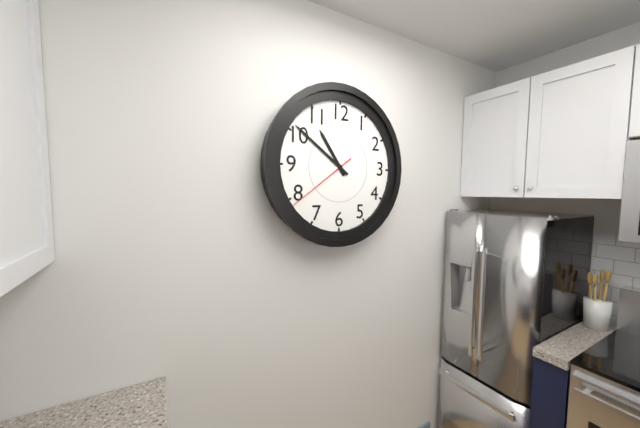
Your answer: **10:51:39**
